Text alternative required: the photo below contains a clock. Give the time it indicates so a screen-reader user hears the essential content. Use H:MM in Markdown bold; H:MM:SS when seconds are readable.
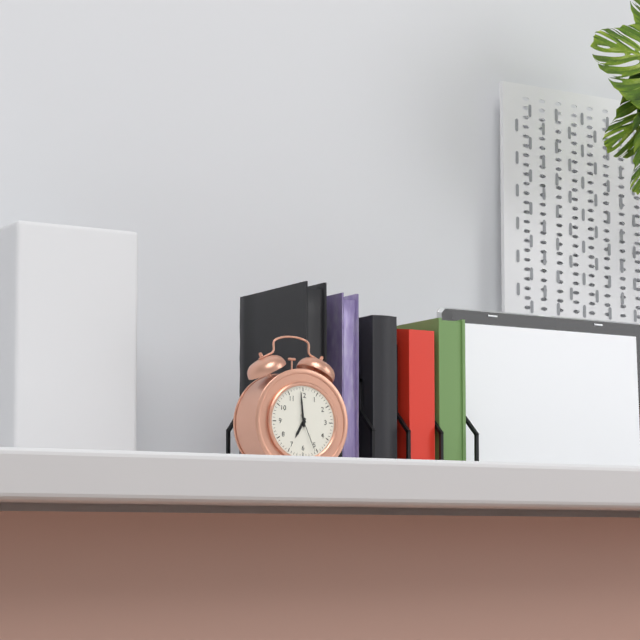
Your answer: **6:59**
